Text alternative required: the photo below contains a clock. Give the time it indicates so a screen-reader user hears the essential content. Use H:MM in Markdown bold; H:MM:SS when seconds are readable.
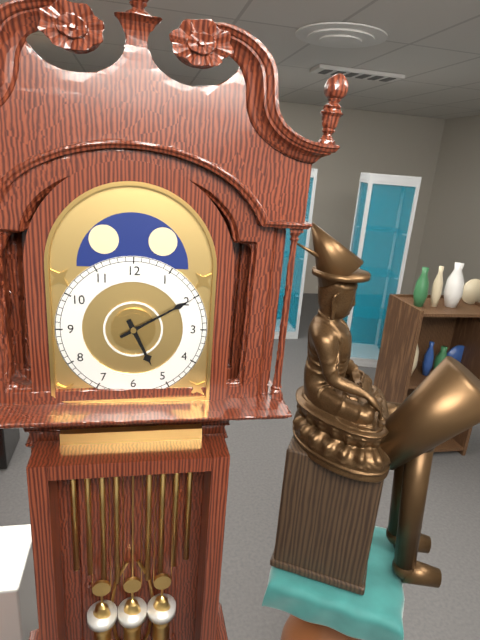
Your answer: **5:10**
